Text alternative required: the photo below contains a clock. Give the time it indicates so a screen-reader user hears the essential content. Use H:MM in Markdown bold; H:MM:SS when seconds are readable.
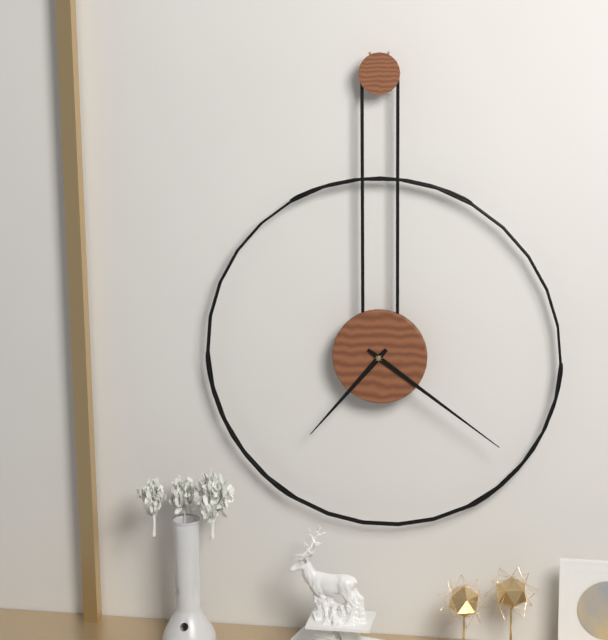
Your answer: **7:21**
